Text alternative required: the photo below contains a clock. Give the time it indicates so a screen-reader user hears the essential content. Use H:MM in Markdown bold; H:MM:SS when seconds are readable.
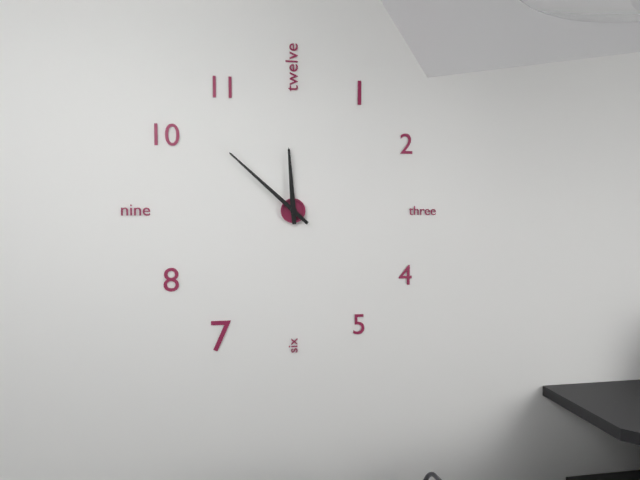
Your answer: **11:52**
